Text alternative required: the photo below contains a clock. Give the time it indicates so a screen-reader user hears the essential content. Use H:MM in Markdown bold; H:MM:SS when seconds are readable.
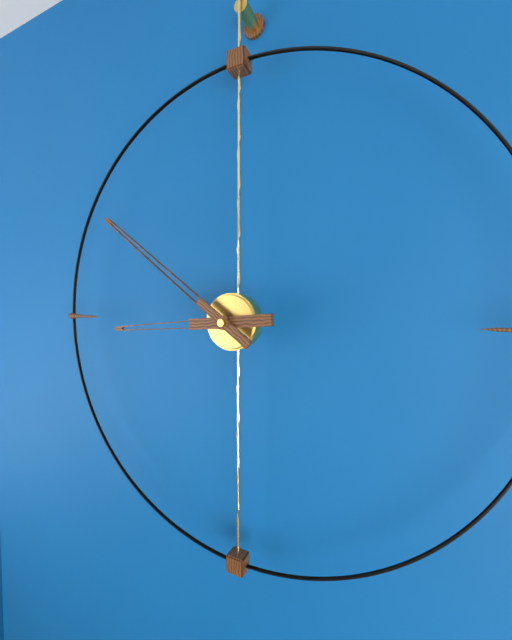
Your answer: **8:51**
